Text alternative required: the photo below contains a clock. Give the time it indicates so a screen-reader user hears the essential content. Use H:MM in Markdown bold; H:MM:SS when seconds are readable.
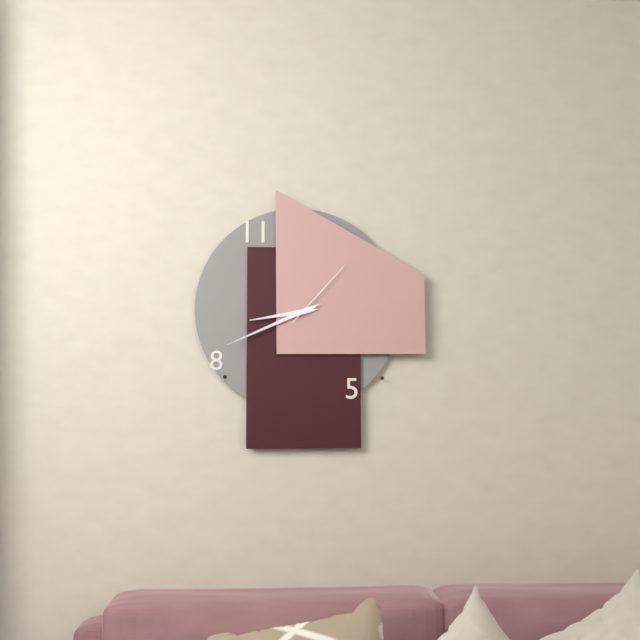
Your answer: **8:41:07**
